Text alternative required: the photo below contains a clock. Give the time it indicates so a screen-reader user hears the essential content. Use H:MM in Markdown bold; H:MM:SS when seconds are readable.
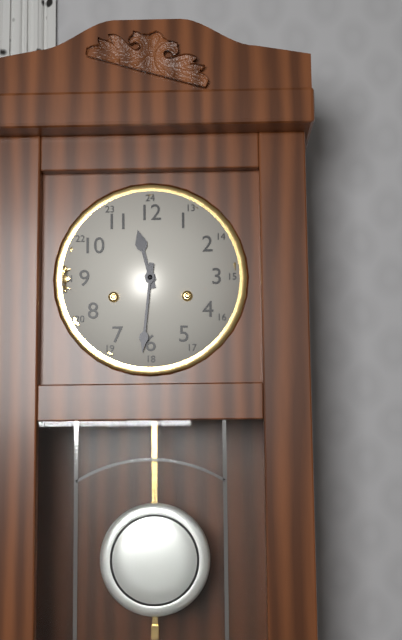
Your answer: **11:31**
